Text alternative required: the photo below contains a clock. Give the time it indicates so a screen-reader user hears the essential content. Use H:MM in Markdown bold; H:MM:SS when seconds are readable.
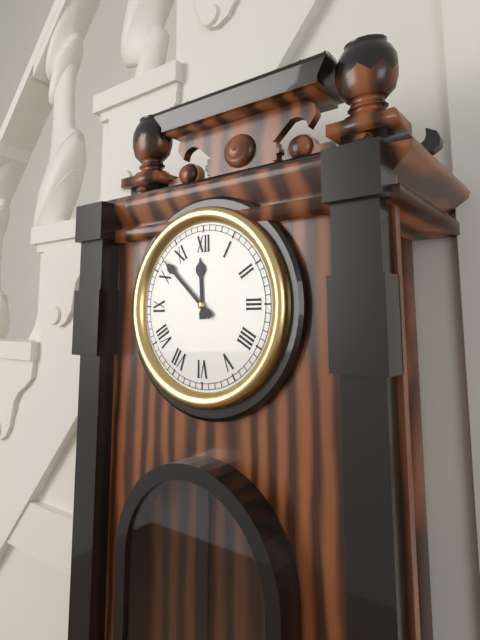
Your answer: **11:52**
